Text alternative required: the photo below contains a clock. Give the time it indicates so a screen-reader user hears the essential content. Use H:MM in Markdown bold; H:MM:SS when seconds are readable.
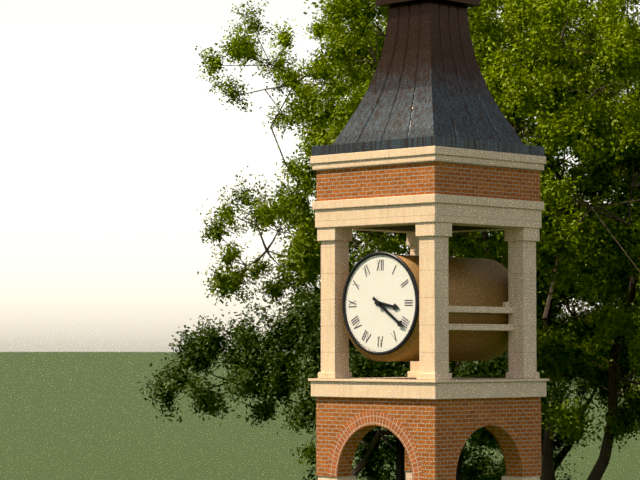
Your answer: **3:21**
